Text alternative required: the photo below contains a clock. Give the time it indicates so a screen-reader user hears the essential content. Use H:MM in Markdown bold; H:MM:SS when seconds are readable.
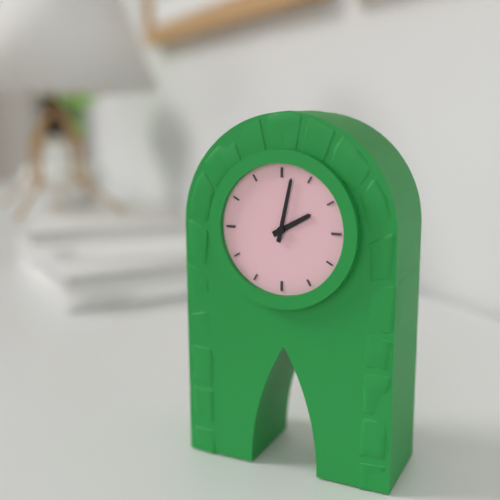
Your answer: **2:02**
